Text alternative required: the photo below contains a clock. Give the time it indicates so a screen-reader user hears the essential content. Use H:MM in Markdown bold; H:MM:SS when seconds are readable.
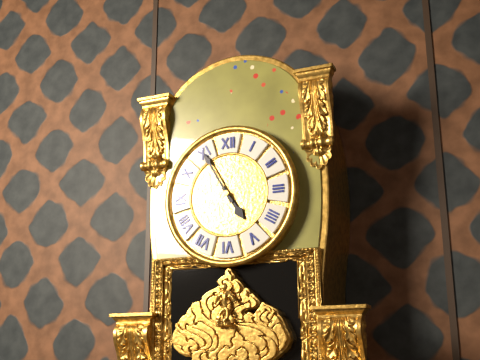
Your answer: **4:55**
